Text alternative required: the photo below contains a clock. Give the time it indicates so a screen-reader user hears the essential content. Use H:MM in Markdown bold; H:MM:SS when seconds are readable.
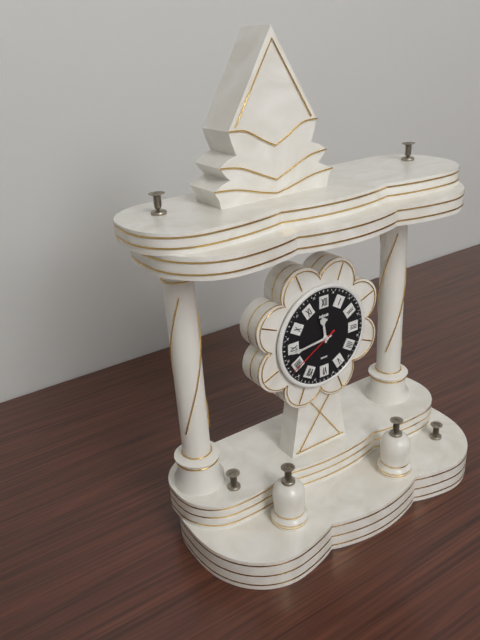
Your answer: **11:44:40**
